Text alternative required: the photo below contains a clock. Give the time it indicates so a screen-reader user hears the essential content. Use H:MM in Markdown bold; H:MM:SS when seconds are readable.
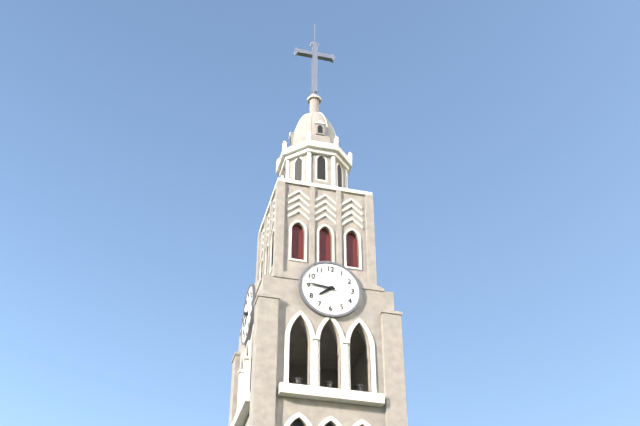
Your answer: **7:46**
